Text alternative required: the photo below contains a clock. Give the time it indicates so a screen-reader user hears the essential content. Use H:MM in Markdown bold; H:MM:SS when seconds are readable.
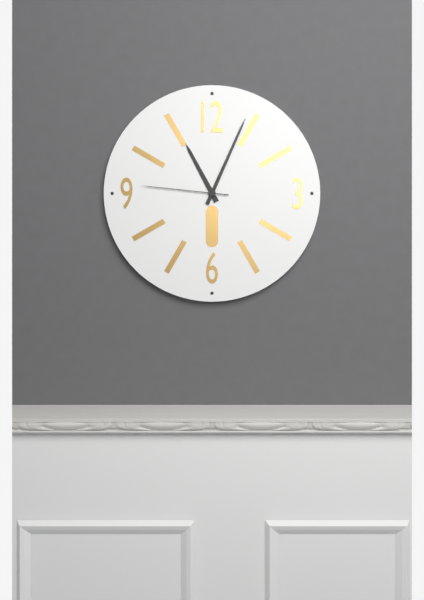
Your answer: **11:04:46**
